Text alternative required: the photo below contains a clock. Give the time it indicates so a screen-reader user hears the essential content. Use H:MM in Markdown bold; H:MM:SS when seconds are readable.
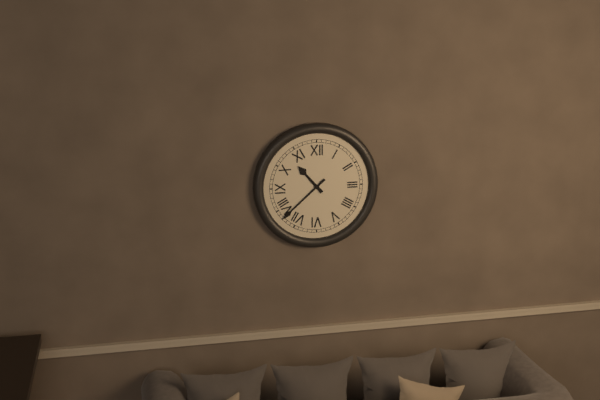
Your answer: **10:38**
